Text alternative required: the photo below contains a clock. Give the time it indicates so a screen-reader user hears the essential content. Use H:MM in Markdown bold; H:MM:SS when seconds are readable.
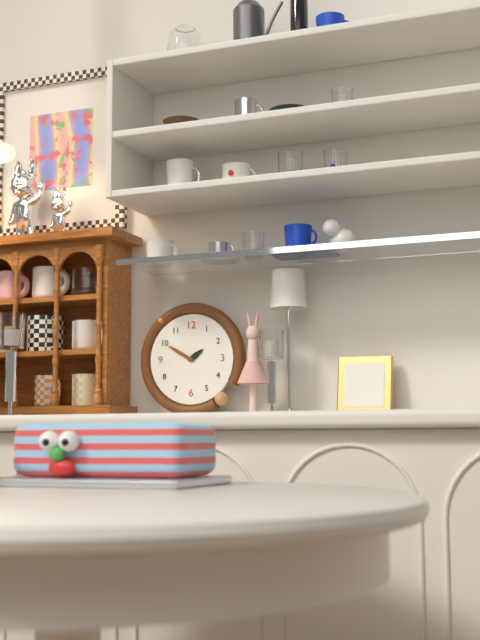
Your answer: **1:50**
